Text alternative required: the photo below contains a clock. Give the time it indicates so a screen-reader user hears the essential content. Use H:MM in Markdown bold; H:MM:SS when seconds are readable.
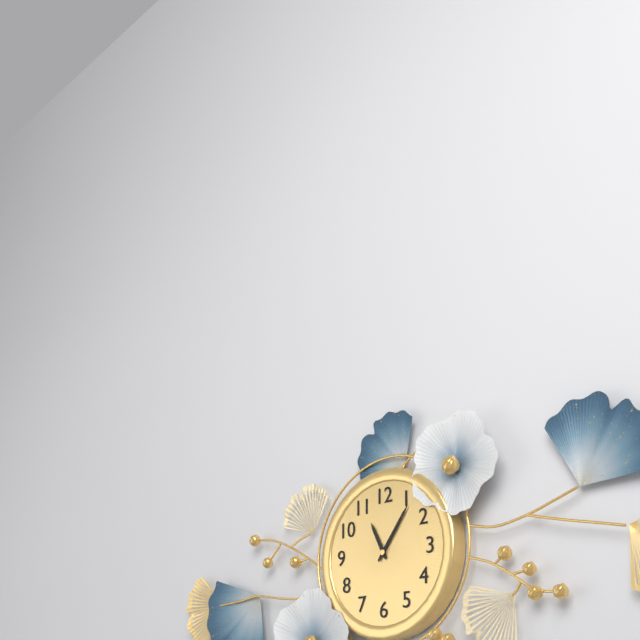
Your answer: **11:06**
